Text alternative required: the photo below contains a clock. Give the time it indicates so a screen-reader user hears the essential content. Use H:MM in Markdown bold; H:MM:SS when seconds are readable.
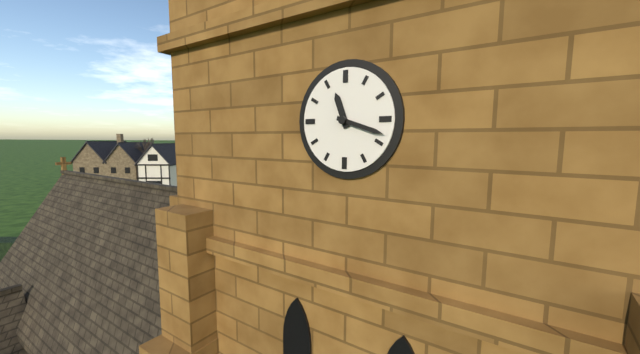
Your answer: **11:18**
